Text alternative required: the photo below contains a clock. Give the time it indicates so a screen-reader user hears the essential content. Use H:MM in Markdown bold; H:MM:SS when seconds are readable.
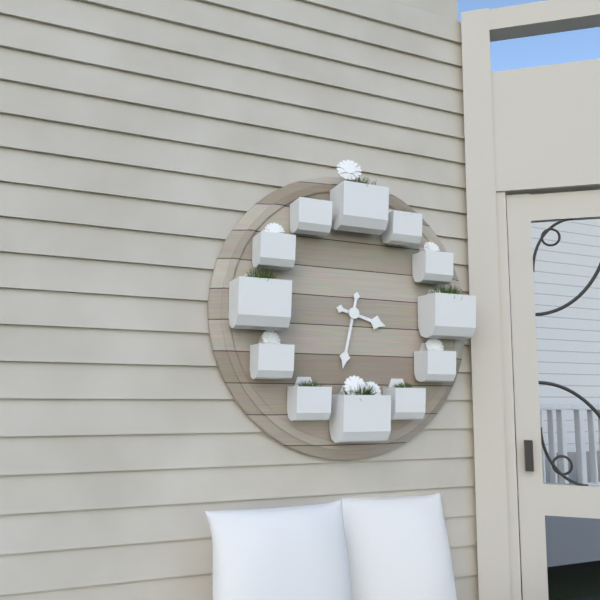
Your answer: **3:32**
